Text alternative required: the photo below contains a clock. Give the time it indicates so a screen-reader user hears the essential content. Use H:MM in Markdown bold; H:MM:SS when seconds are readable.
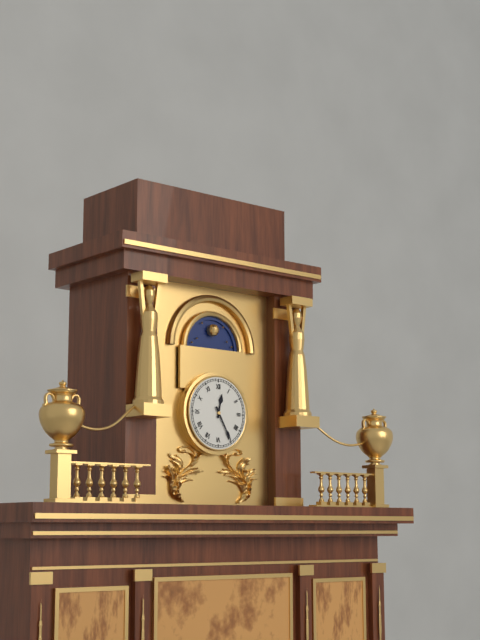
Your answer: **12:25**
